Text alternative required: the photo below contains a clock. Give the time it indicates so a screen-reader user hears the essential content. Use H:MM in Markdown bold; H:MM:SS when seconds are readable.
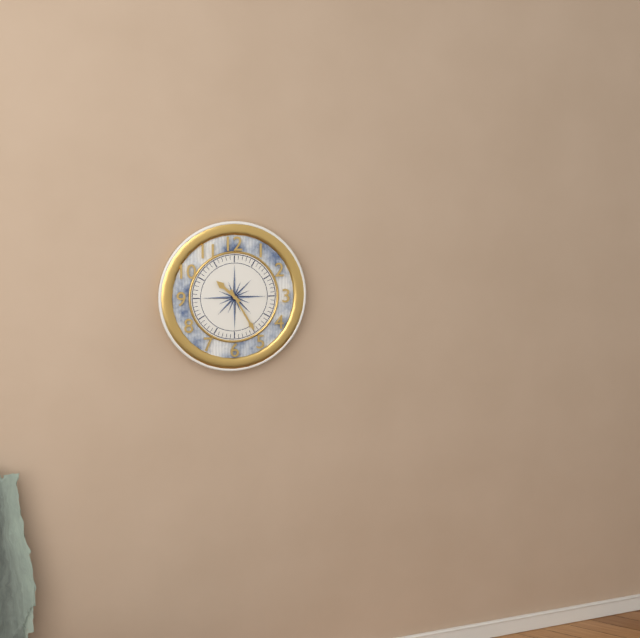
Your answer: **10:25**
